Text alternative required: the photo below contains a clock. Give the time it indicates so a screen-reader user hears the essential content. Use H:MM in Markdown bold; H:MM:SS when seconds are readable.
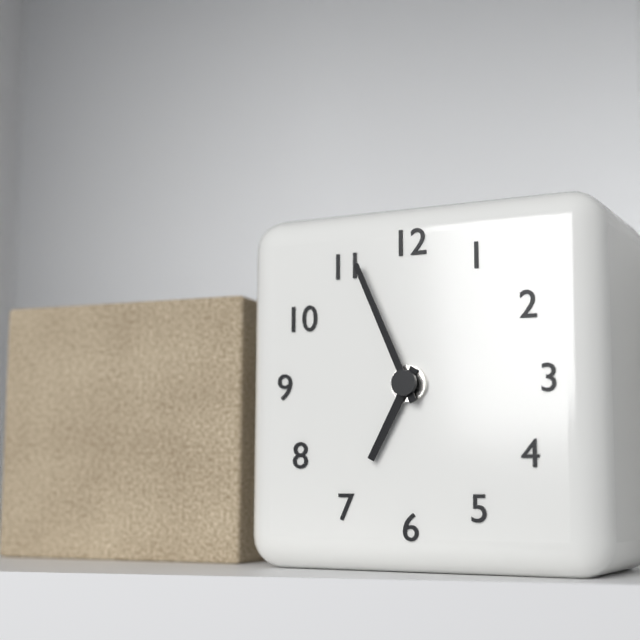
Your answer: **6:56**
